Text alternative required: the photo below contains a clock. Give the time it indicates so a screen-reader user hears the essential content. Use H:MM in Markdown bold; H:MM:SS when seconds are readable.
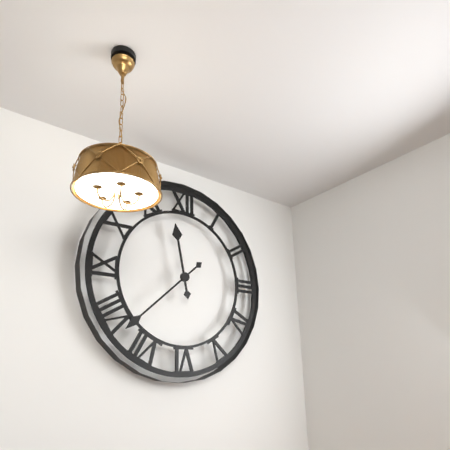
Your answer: **11:38**
